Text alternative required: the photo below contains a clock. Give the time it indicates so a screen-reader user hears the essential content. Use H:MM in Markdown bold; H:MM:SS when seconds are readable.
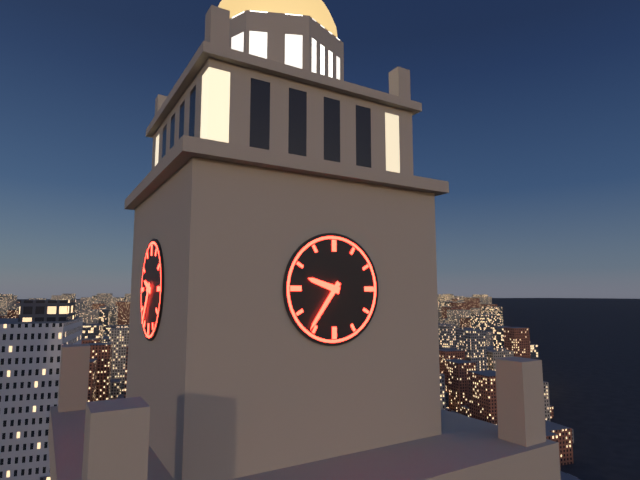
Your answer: **9:36**
